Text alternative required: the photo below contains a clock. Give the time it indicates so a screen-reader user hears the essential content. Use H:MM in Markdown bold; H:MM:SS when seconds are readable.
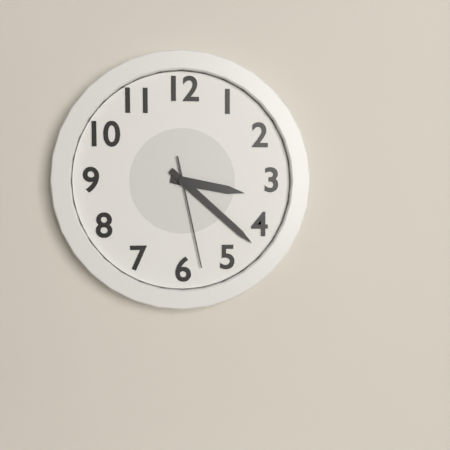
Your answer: **3:22:28**
